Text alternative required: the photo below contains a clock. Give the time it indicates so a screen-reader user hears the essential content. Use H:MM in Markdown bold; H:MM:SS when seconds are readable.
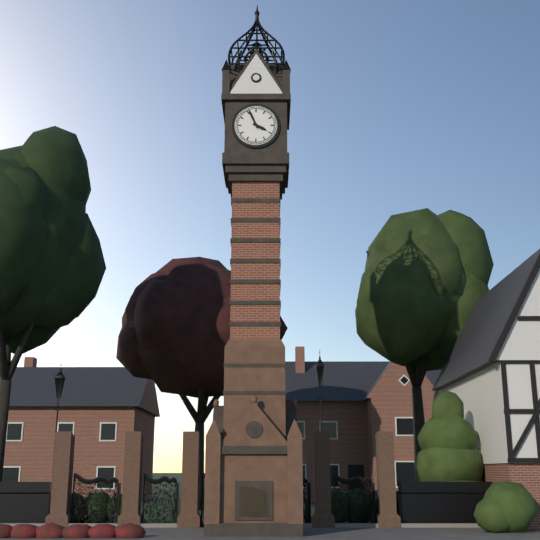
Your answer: **3:56**
